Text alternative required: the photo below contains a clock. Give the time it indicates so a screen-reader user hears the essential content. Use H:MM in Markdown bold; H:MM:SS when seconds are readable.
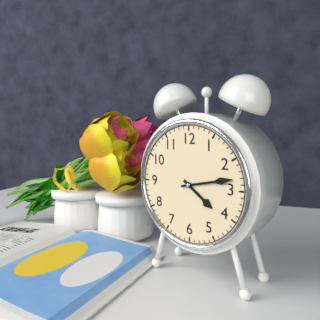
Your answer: **4:13**
